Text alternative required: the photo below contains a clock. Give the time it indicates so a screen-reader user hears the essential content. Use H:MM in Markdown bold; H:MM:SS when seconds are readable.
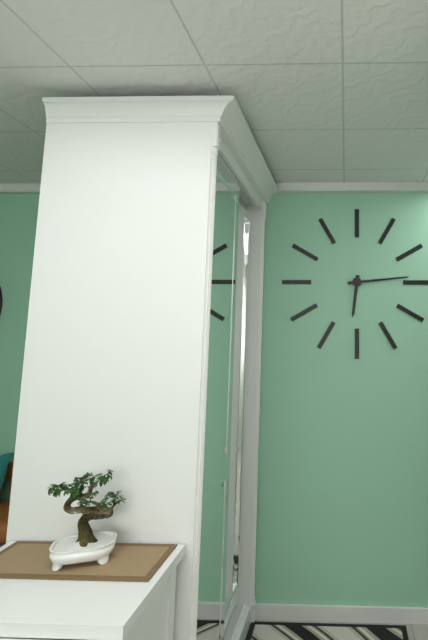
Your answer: **6:14**
